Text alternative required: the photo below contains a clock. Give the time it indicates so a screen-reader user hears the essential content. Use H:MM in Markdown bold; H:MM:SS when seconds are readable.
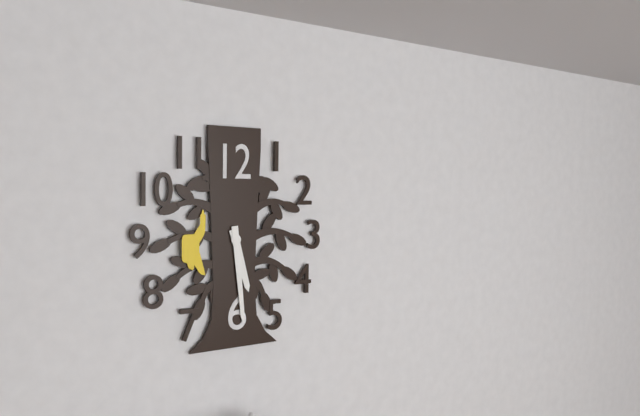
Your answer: **5:29**
